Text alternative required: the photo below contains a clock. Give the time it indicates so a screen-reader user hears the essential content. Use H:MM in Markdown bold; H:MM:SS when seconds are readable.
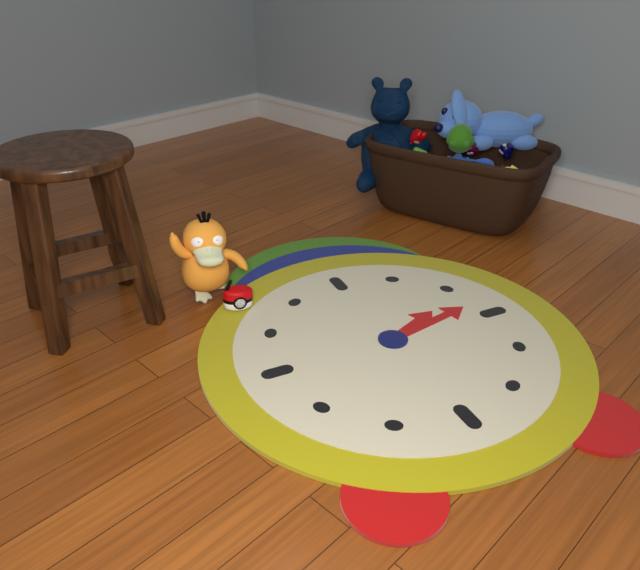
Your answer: **2:13**
